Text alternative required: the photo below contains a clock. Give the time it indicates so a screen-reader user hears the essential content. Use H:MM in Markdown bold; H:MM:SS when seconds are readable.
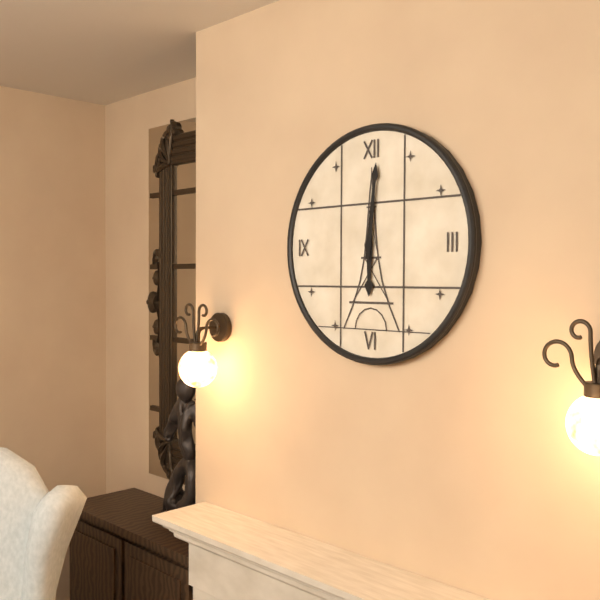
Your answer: **6:01**
